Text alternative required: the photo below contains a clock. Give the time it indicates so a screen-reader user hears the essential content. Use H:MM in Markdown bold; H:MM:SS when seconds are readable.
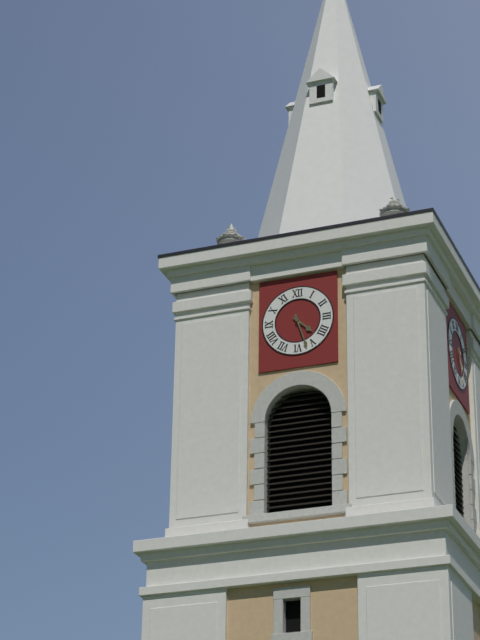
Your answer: **4:27**
